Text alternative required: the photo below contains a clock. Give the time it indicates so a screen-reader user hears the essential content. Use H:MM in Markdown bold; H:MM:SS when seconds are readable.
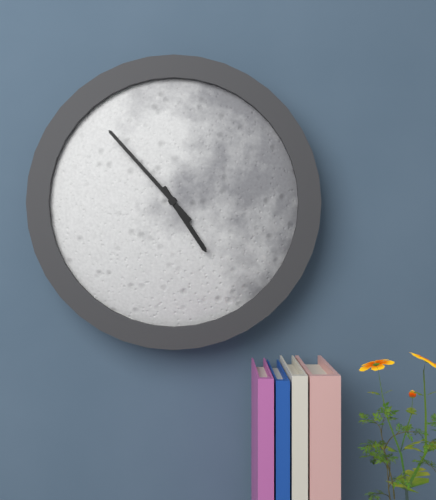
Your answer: **4:53**
